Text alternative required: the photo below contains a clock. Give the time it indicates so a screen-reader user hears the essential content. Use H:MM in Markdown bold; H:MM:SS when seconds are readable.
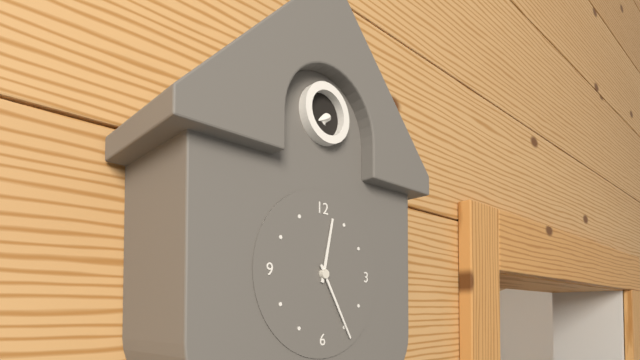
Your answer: **12:25**
